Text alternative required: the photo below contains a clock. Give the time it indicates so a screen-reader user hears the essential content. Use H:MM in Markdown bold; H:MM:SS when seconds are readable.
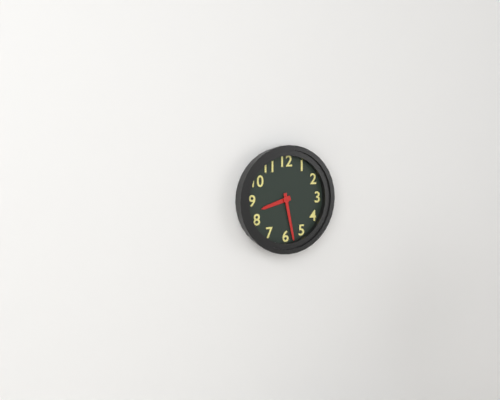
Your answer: **8:28**
